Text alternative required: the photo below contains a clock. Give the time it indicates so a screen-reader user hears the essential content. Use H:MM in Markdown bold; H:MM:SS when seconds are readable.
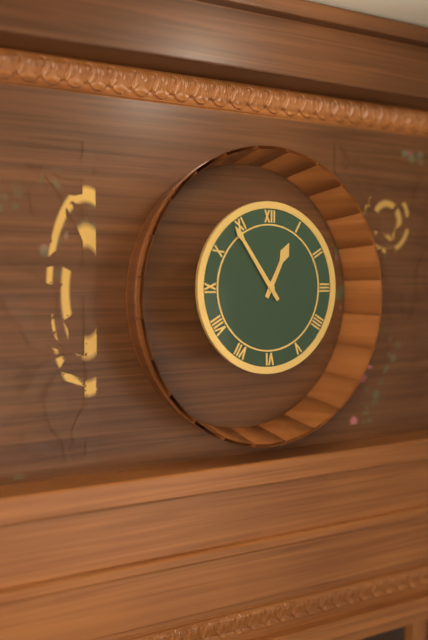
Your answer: **12:54**
